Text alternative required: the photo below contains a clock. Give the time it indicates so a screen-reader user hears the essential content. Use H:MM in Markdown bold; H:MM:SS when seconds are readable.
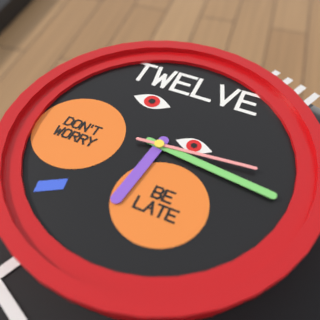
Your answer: **6:16:14**
